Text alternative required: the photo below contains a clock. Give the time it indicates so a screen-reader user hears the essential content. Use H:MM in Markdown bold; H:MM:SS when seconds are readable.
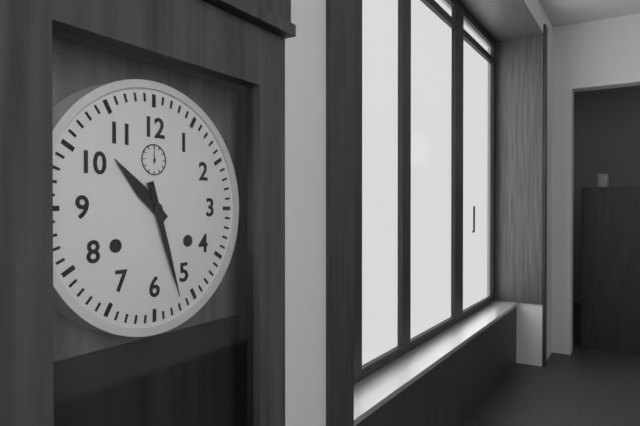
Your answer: **10:27**
